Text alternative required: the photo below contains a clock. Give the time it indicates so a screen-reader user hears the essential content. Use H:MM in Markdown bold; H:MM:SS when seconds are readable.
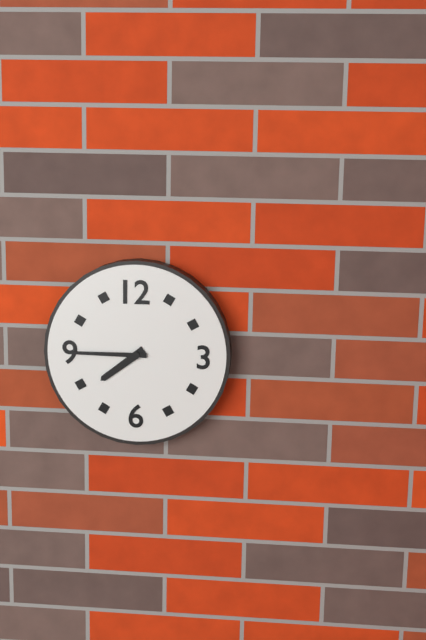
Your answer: **7:45**
